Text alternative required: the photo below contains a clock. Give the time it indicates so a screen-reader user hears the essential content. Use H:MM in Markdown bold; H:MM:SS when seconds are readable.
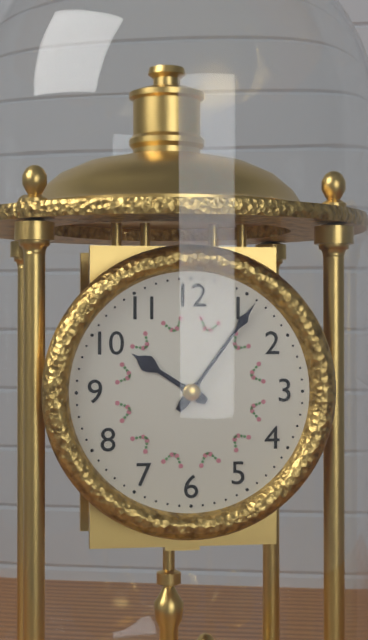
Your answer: **10:06**
